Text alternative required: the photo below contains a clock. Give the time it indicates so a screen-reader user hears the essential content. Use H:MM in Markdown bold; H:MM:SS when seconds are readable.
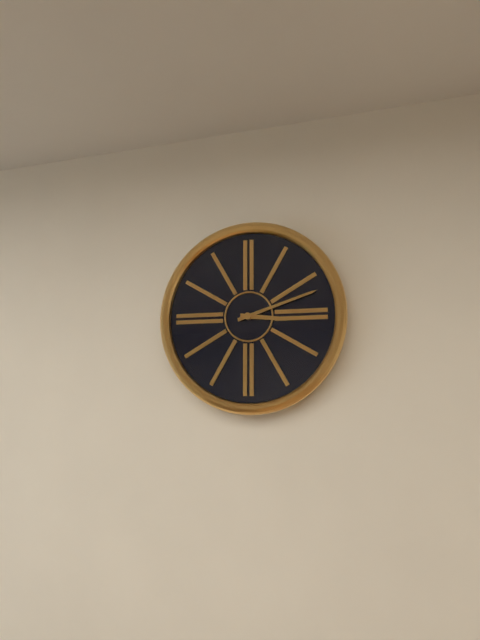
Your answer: **3:12**
